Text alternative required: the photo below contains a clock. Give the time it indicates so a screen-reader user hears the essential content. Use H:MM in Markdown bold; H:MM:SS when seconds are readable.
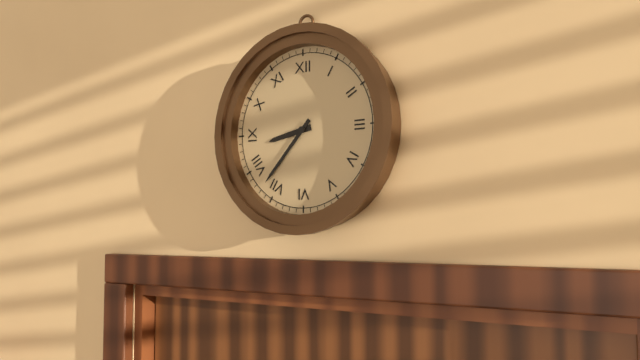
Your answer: **8:37**
